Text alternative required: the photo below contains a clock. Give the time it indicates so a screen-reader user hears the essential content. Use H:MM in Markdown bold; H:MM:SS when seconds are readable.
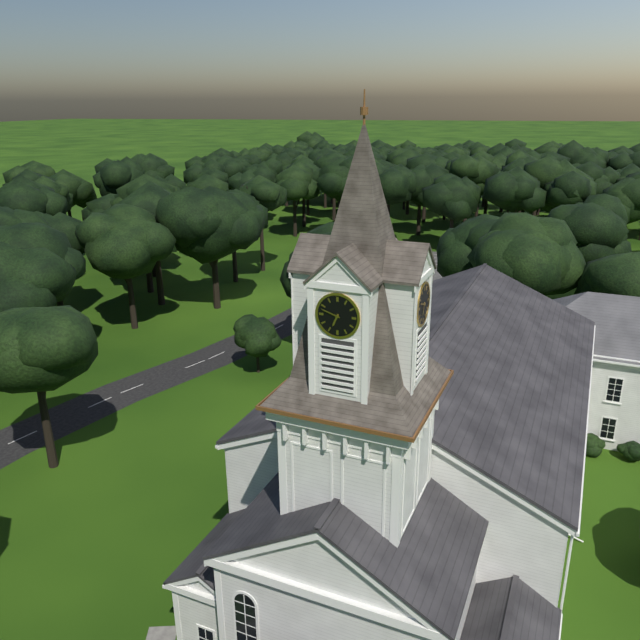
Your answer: **6:48**
